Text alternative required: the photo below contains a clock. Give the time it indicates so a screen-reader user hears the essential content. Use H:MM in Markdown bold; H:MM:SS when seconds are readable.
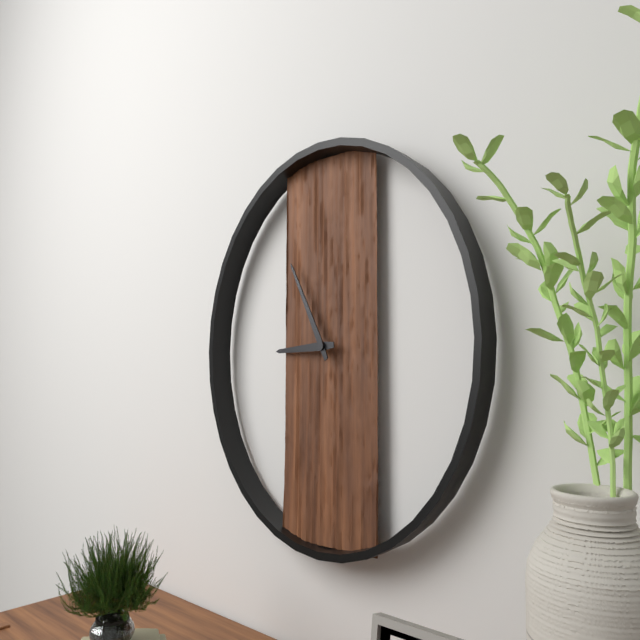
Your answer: **8:55**
